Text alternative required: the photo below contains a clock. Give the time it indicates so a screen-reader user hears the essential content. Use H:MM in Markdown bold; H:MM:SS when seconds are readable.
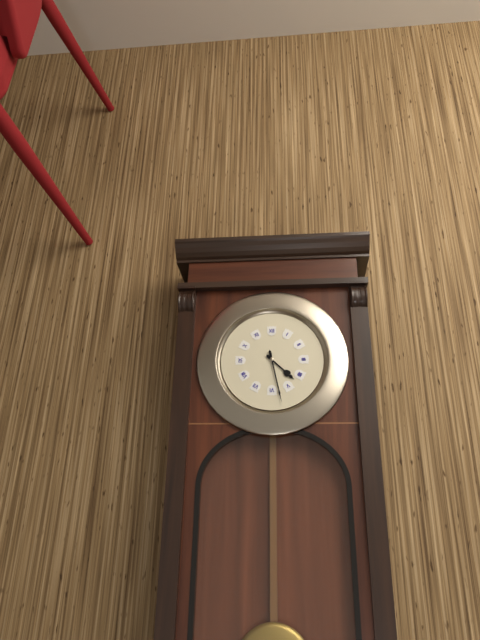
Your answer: **4:28**
